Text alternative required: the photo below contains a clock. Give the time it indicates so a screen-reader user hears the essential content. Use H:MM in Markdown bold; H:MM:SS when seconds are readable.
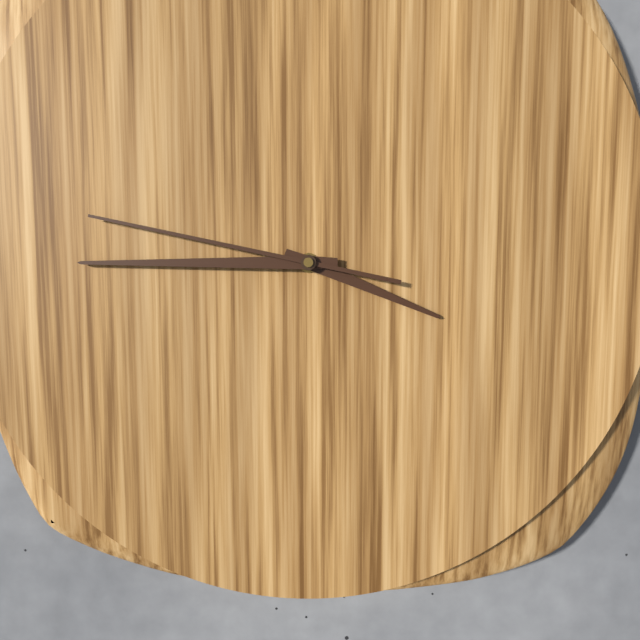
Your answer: **3:45:47**
